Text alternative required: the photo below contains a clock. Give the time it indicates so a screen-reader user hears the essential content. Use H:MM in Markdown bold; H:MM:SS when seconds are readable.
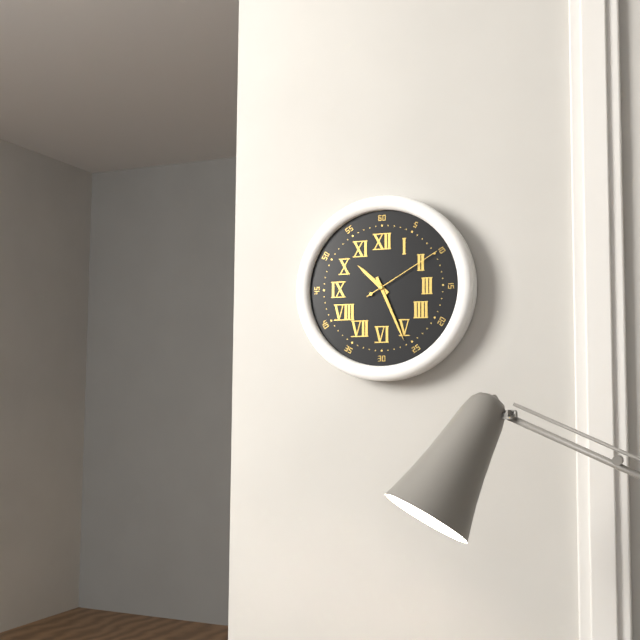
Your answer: **10:26:10**
